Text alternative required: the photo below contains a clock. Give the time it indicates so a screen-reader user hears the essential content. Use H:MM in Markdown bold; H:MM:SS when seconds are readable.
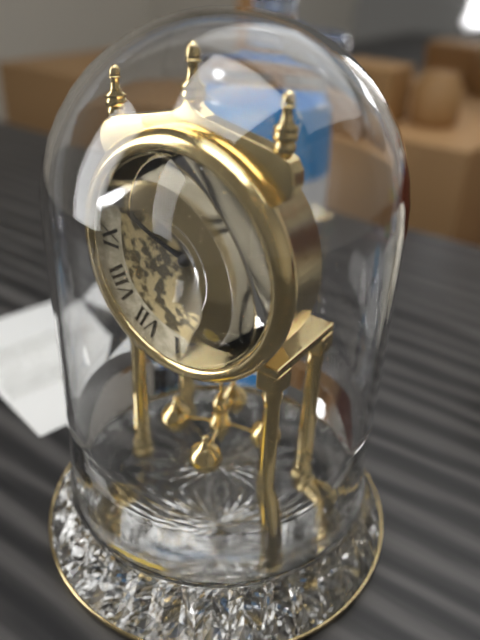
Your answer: **10:49**
